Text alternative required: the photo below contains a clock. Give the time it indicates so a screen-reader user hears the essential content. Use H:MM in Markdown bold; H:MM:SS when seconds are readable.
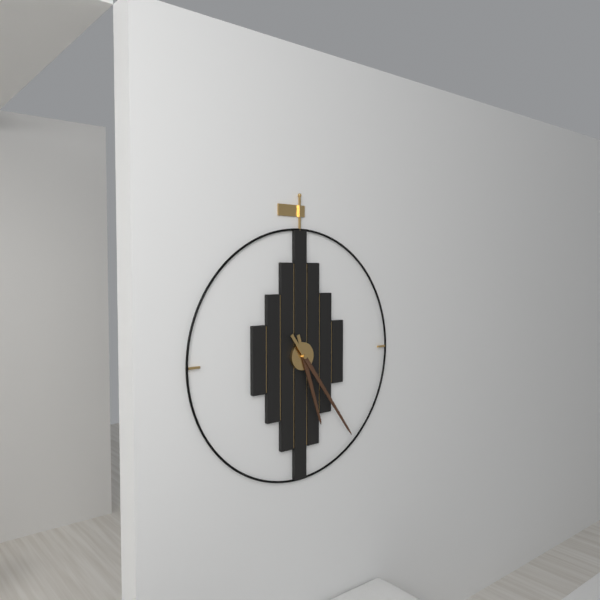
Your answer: **5:24**
